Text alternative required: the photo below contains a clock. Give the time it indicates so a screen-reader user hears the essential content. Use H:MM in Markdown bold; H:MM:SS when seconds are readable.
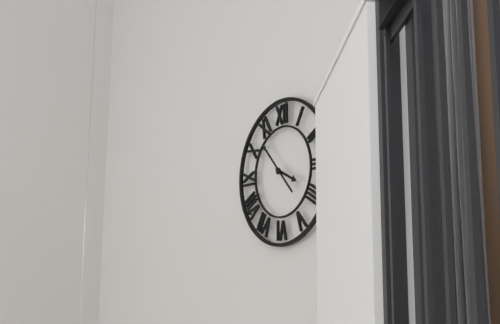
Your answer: **3:53**
